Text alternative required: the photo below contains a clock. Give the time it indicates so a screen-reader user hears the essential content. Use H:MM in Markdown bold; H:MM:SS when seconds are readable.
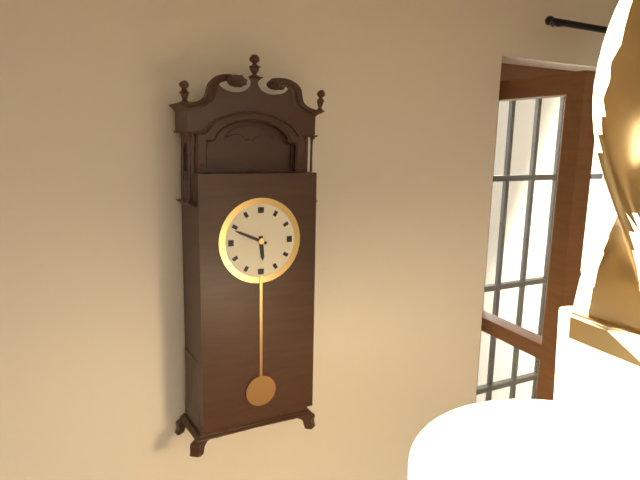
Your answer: **5:49**
